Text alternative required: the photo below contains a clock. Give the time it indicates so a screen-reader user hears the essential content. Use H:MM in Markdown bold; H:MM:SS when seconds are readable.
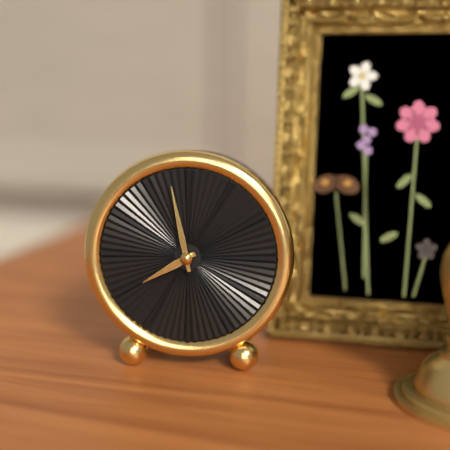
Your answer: **7:58**
